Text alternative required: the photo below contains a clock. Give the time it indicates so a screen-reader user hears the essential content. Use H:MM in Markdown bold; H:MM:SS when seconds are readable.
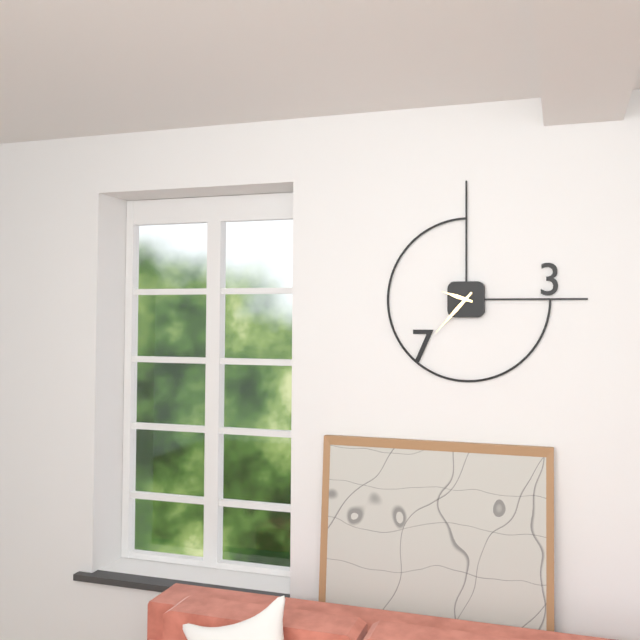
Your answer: **9:37**
